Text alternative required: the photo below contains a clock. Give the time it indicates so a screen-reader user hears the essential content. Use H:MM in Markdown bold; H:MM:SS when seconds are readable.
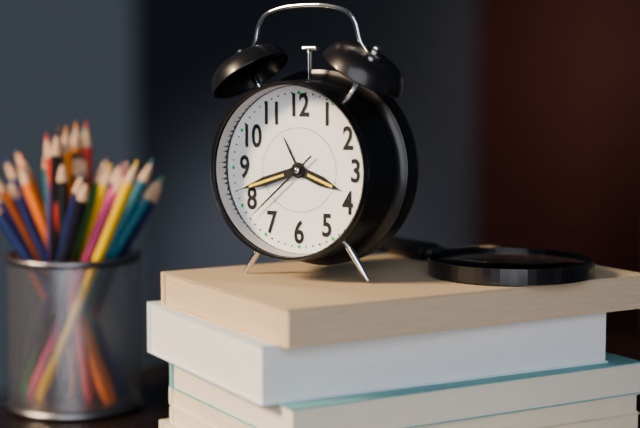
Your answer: **3:42:38**
